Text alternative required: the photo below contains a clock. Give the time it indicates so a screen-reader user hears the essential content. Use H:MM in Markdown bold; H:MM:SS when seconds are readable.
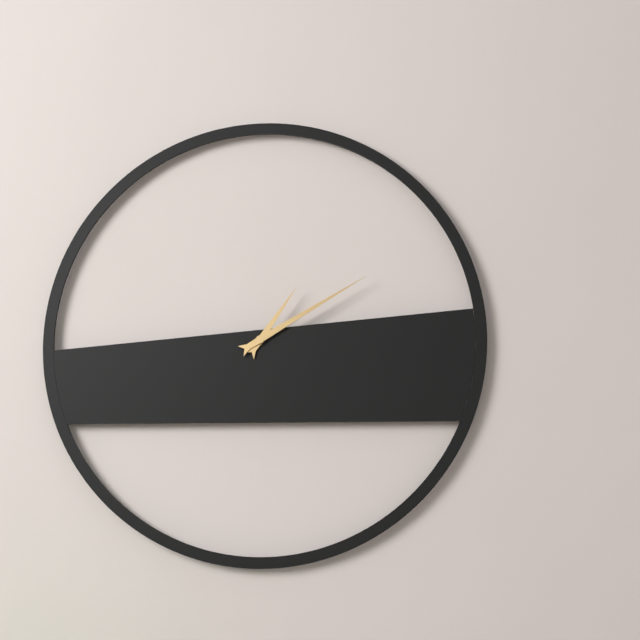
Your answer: **1:10**
